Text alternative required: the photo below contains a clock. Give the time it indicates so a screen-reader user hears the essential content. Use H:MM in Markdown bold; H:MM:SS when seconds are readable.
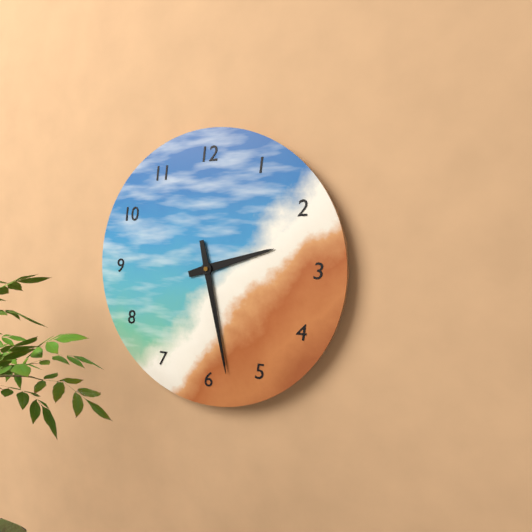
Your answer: **2:28**
